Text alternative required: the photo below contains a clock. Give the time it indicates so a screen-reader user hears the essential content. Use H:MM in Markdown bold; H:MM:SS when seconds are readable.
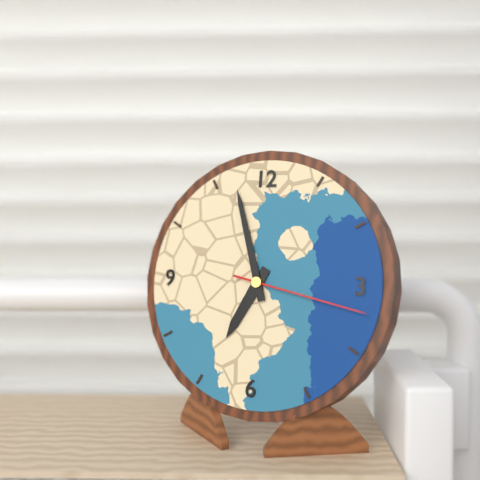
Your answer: **6:57:17**
